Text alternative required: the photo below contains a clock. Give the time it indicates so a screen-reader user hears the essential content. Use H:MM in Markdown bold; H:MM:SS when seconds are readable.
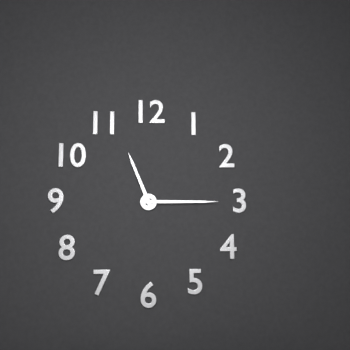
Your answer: **11:15**
